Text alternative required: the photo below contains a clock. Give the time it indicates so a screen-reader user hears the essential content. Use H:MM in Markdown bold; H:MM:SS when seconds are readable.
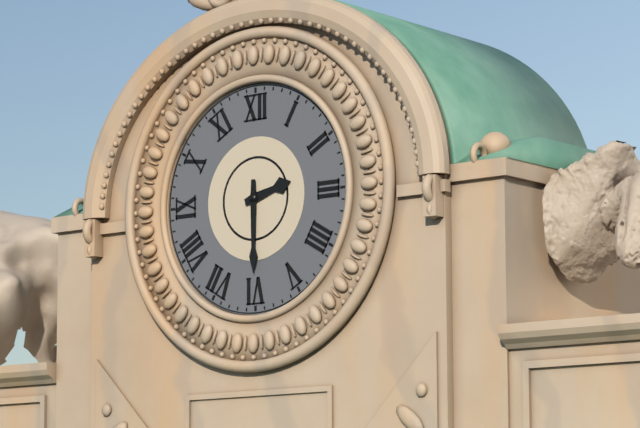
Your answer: **2:30**
